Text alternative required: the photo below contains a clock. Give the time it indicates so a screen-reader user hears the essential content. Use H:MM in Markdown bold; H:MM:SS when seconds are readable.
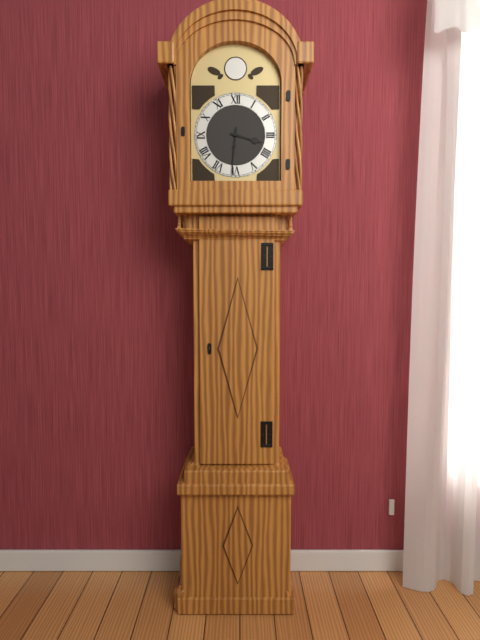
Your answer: **3:31**
